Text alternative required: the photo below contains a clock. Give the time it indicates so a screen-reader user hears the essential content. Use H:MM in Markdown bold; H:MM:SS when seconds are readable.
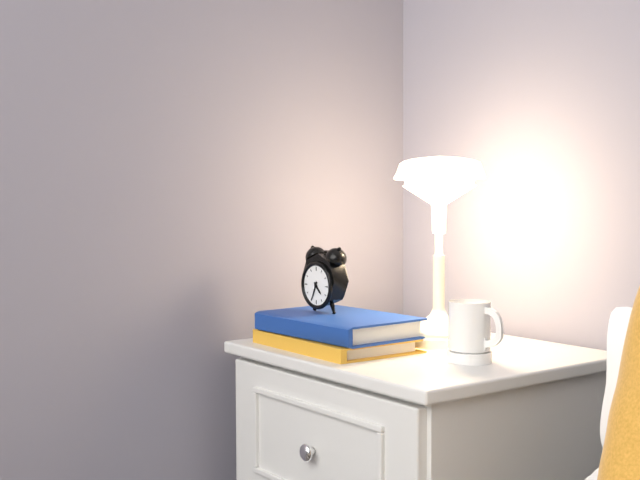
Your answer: **4:34**
